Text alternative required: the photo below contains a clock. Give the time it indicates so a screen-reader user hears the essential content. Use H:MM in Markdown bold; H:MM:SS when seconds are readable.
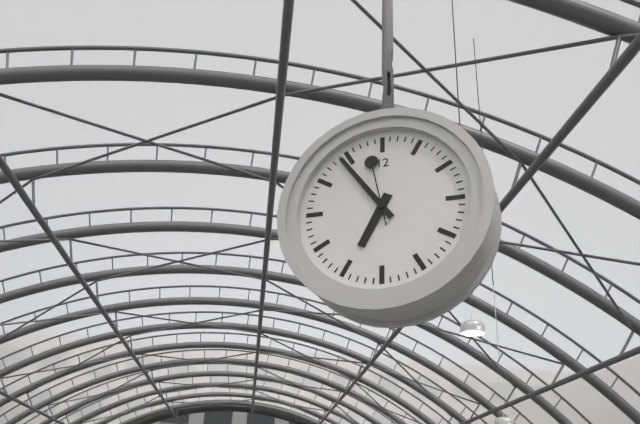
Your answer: **6:54:58**
